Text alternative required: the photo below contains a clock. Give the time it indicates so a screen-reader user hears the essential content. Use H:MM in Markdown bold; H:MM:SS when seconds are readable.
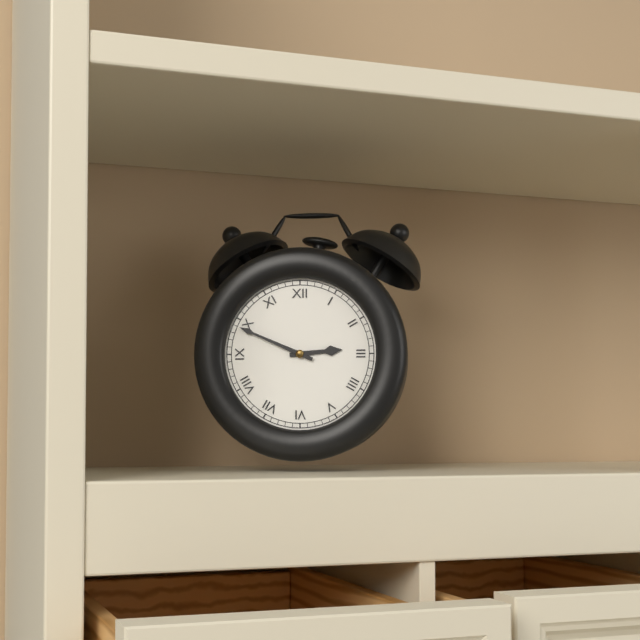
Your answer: **2:49**
